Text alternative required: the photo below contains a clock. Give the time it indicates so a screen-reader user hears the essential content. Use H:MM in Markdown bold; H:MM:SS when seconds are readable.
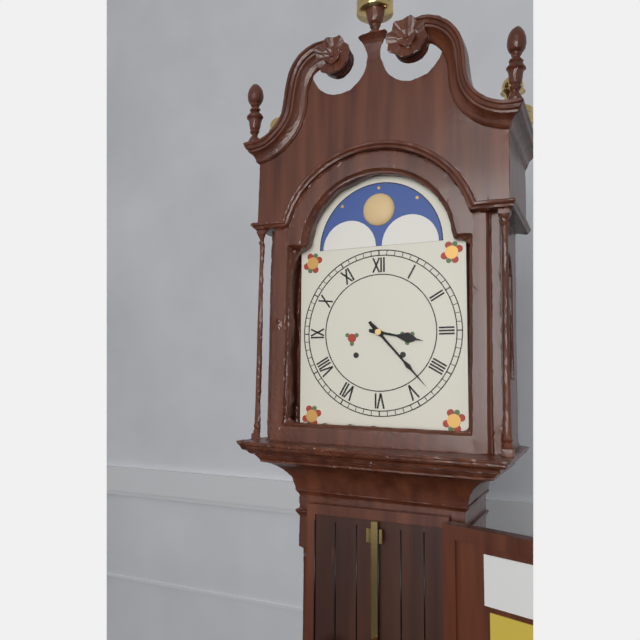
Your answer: **3:23**
